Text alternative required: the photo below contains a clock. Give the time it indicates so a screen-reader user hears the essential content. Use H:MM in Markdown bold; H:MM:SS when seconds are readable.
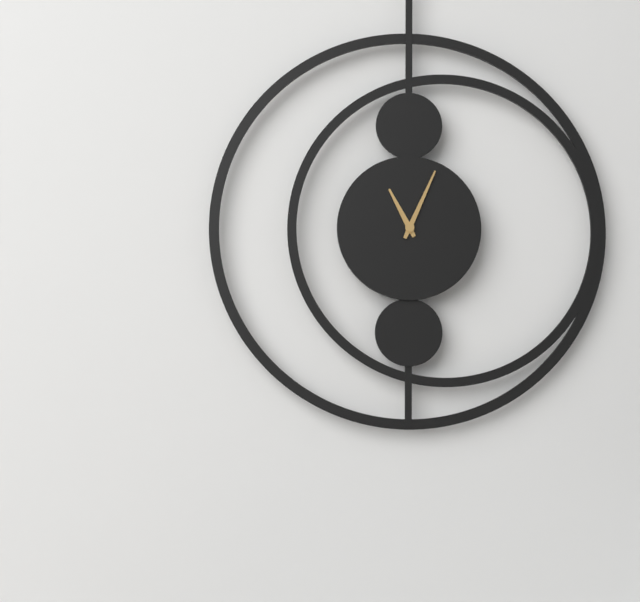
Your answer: **11:04**
